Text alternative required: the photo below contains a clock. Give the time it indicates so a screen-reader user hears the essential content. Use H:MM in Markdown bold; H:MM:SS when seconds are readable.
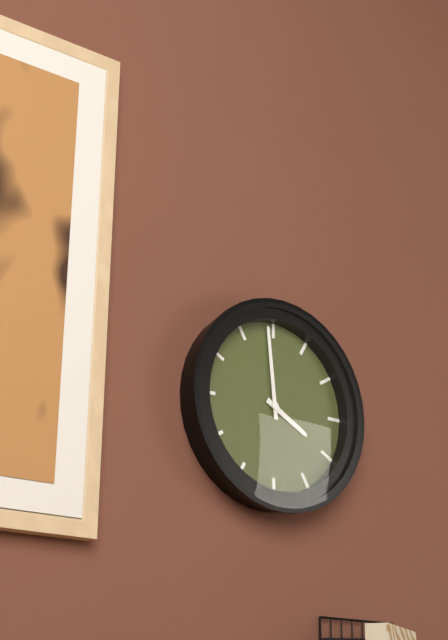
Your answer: **3:59**
